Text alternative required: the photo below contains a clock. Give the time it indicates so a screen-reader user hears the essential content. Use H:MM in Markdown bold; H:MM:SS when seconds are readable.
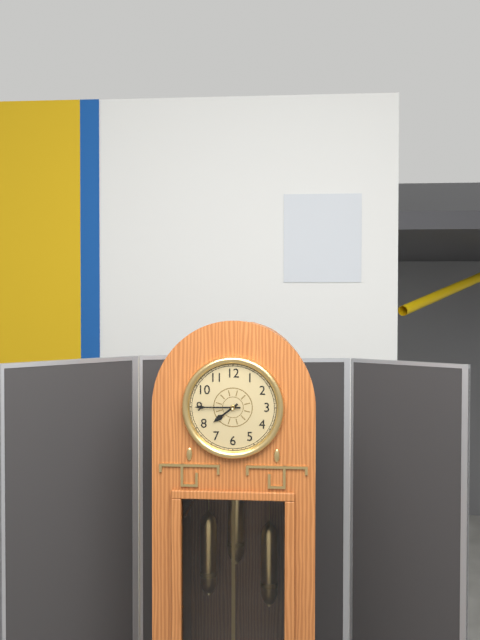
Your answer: **7:45**
